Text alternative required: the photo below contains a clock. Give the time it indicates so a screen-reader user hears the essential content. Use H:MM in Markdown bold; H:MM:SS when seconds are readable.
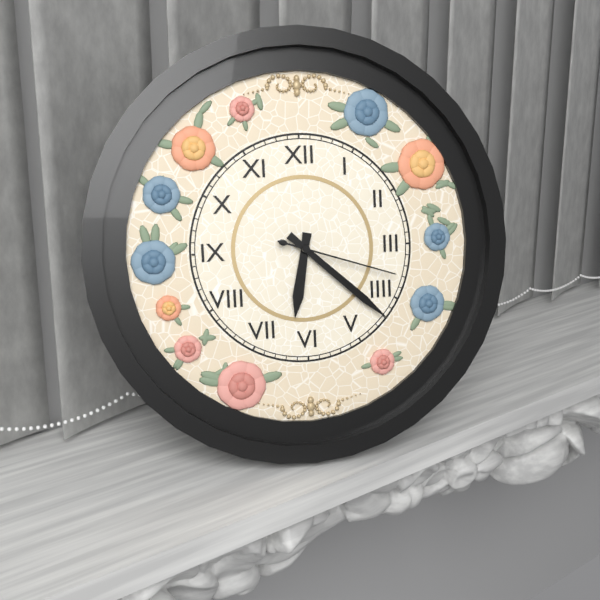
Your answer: **6:22:18**
